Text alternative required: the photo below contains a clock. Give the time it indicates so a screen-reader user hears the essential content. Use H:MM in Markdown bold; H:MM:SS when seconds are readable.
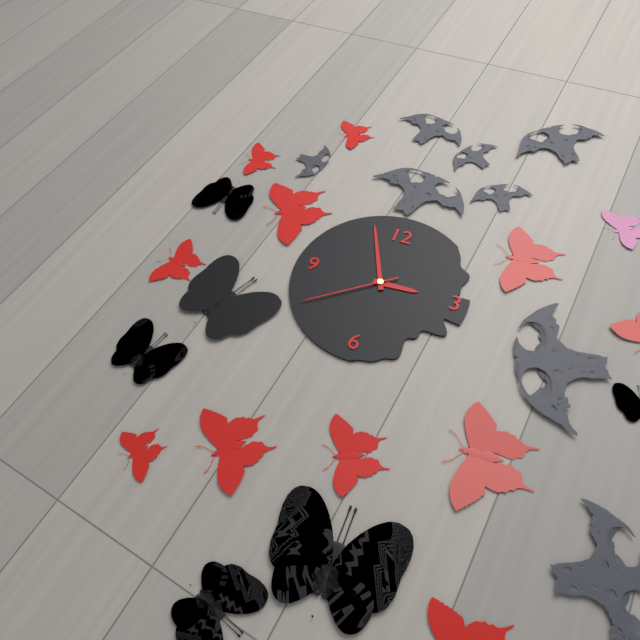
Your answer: **2:56:39**
